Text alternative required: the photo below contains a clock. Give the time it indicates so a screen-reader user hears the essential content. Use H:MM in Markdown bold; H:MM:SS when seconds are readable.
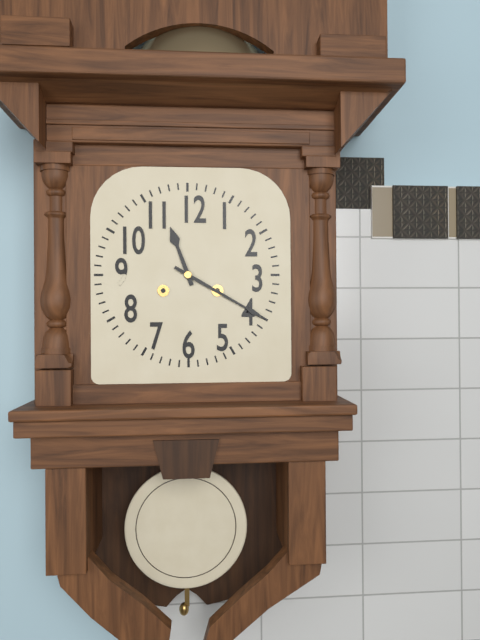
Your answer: **11:20**
